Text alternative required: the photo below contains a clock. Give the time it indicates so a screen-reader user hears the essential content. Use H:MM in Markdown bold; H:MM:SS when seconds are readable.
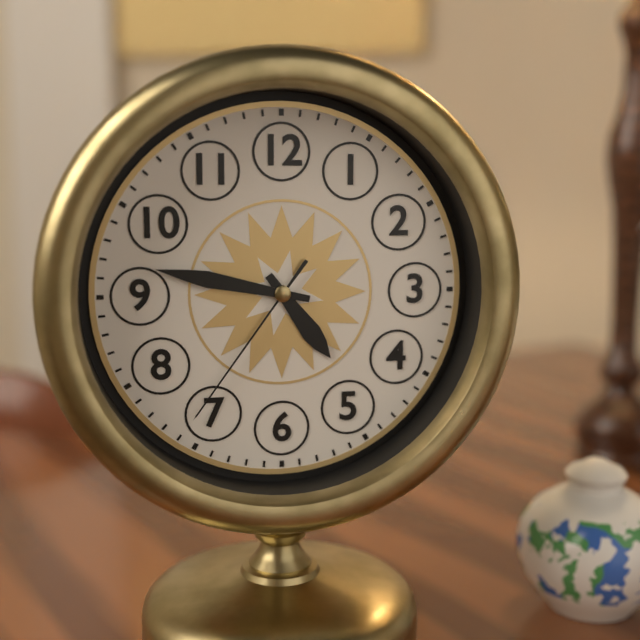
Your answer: **4:47:36**
